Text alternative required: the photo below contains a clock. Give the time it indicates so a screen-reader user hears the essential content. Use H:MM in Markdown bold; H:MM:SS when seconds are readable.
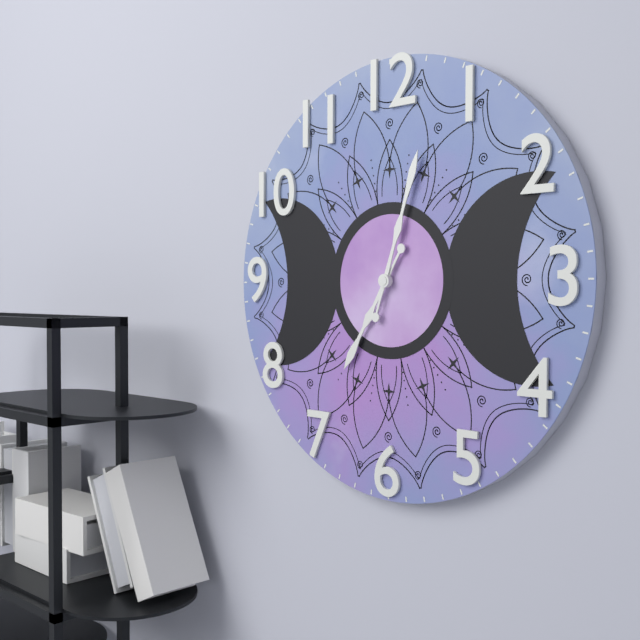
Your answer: **7:03**
